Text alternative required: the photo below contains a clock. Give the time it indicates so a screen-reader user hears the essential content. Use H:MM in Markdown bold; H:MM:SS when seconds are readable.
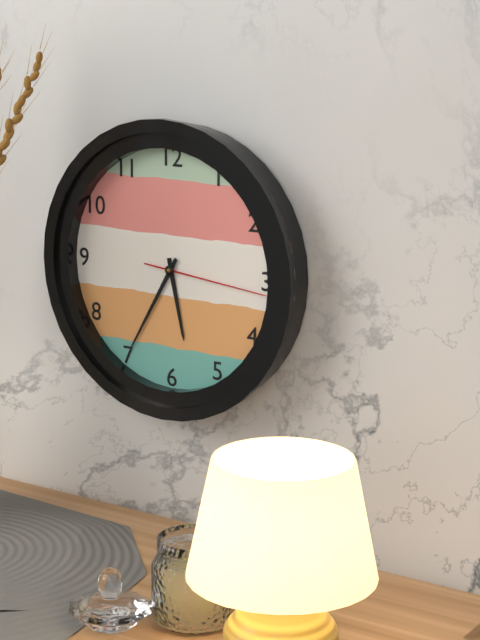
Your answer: **5:35:16**
